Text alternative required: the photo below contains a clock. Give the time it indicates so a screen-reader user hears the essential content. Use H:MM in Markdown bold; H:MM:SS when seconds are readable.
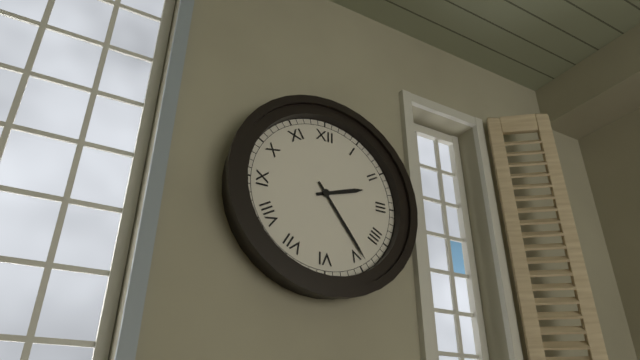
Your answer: **2:24**
